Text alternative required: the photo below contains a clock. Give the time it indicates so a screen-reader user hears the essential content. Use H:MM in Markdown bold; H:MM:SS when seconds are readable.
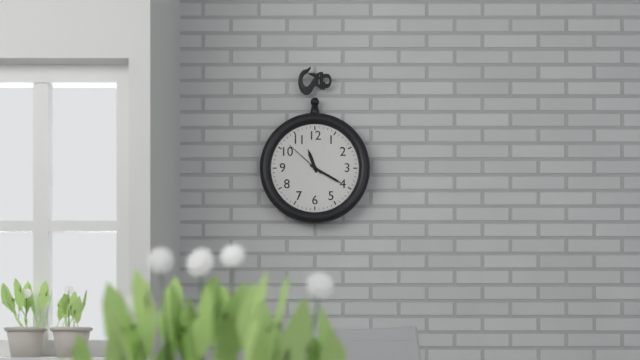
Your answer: **11:20**
